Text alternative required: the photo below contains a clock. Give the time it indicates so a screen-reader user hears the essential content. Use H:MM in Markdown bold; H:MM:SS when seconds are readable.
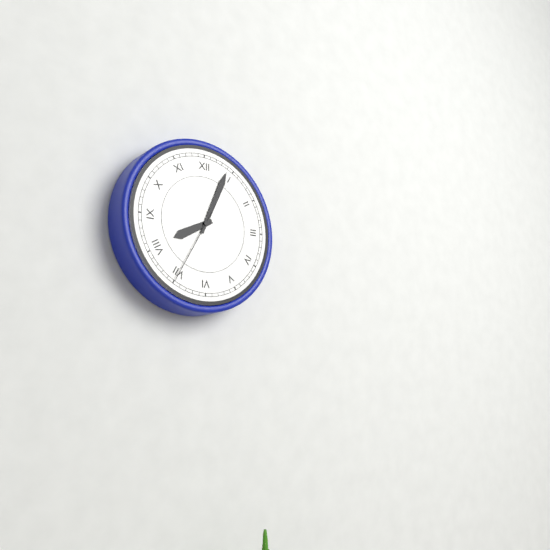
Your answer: **8:04:35**
